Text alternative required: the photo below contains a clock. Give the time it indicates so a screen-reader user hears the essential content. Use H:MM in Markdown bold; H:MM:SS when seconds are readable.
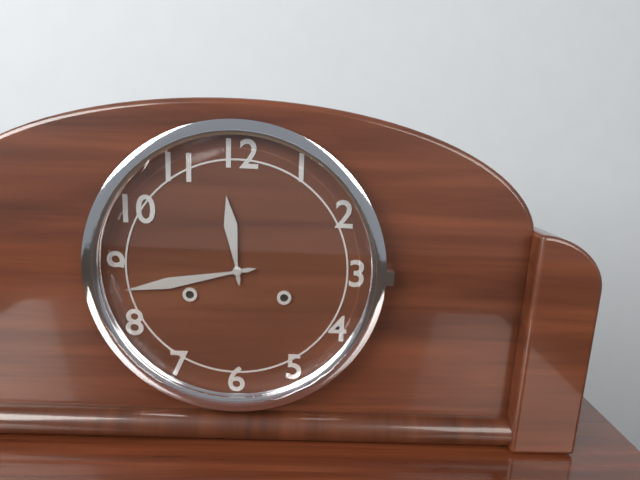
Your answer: **11:43**
